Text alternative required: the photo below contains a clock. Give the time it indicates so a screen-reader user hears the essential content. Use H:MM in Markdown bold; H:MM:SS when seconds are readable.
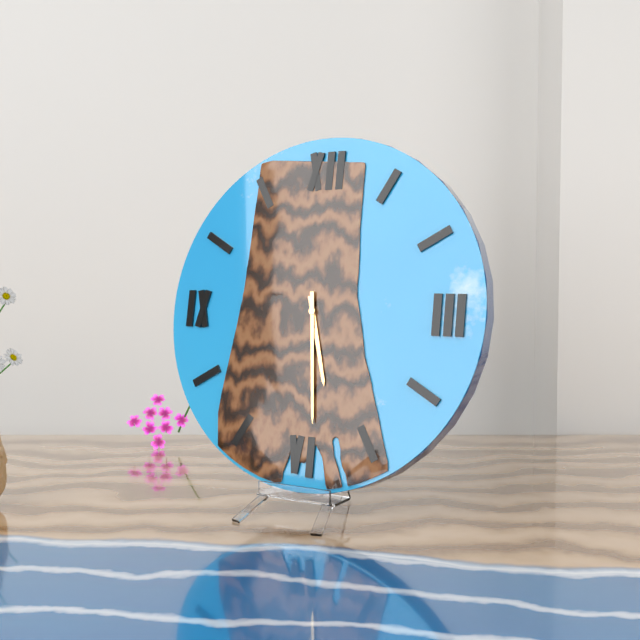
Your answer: **5:29**
